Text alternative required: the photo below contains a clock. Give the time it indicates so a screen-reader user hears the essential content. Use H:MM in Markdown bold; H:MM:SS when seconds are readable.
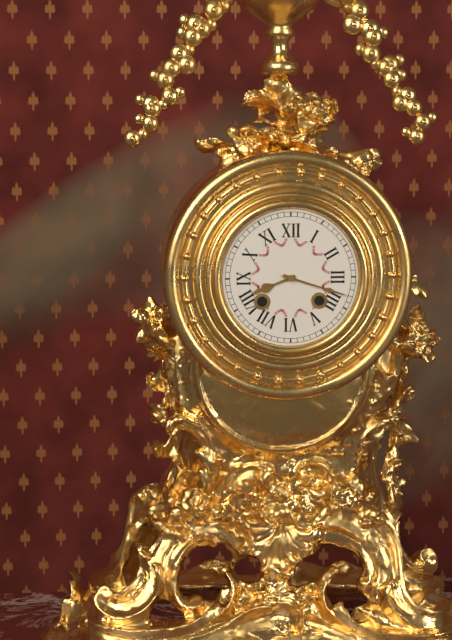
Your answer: **8:18**
